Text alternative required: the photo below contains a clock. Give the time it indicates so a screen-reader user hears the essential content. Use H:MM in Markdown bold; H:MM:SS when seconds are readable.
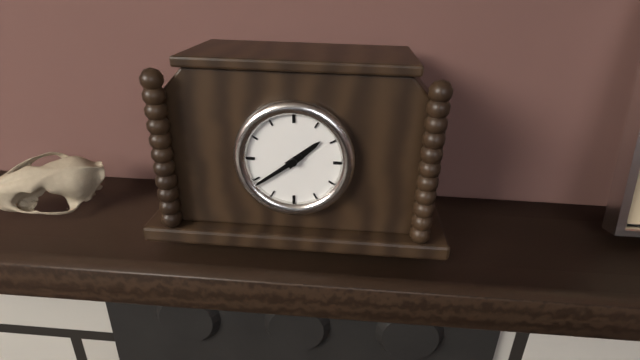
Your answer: **1:39**
